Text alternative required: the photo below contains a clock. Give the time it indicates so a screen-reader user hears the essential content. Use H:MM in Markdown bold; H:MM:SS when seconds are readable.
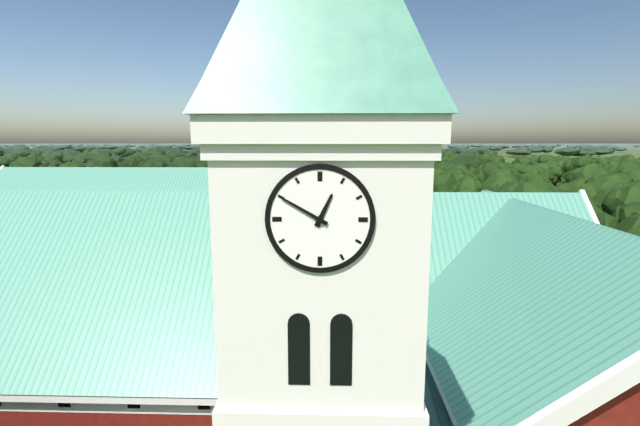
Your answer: **12:50**
